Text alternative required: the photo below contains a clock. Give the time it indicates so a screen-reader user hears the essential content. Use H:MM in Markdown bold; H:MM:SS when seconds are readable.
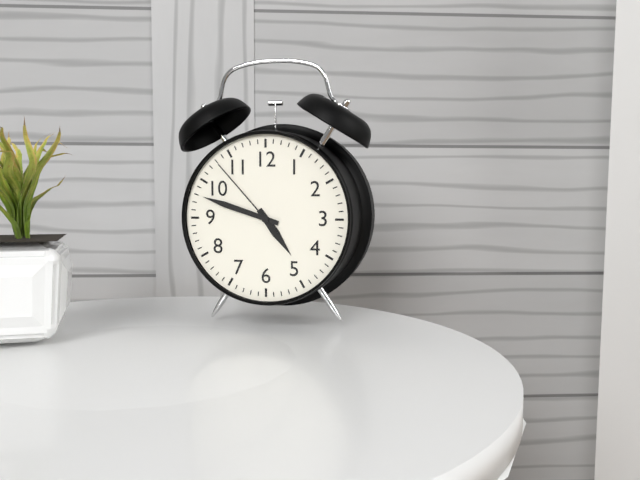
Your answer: **4:48:53**
